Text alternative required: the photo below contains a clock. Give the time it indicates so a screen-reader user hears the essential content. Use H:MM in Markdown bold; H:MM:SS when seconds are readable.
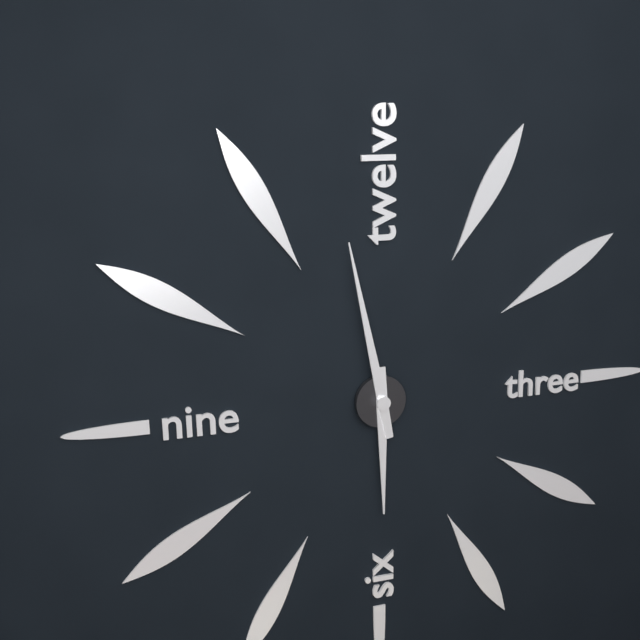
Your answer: **5:58**
